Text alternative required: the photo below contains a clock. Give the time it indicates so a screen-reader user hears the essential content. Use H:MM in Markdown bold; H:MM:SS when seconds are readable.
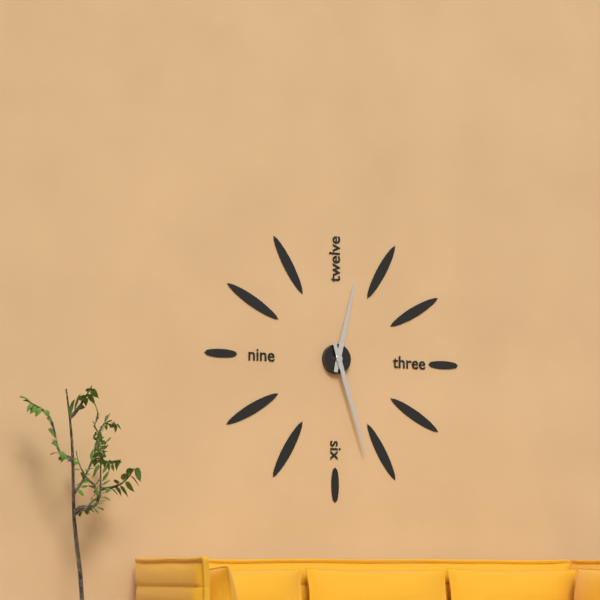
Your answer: **12:27**
